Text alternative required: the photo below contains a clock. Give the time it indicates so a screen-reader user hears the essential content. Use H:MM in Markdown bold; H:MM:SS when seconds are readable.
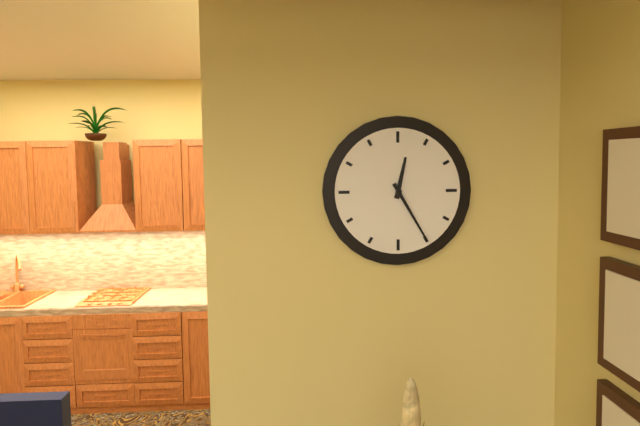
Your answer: **12:25**
